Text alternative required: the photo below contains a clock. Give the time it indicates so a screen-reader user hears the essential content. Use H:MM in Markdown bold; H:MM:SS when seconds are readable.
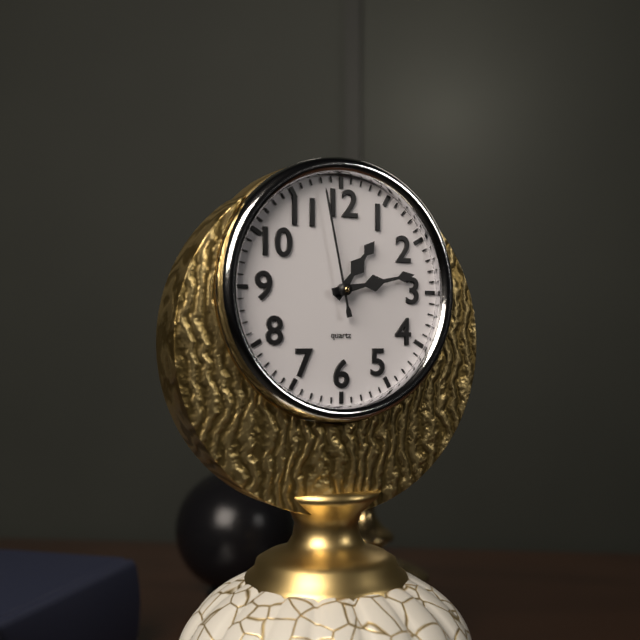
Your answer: **1:13:58**
